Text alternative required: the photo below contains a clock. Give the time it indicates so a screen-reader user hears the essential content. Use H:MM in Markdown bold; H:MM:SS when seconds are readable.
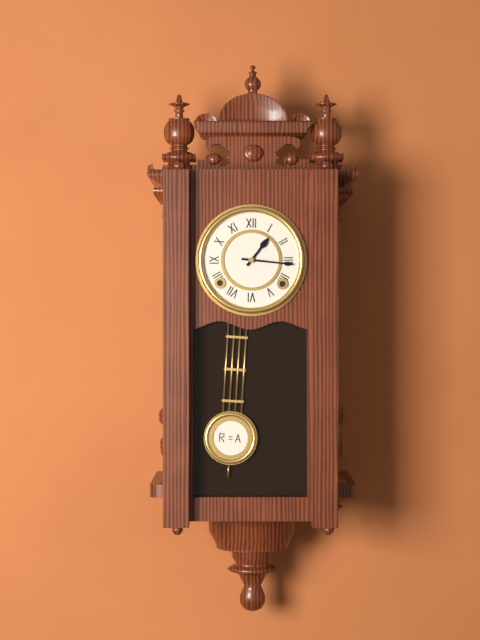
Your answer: **1:16**
